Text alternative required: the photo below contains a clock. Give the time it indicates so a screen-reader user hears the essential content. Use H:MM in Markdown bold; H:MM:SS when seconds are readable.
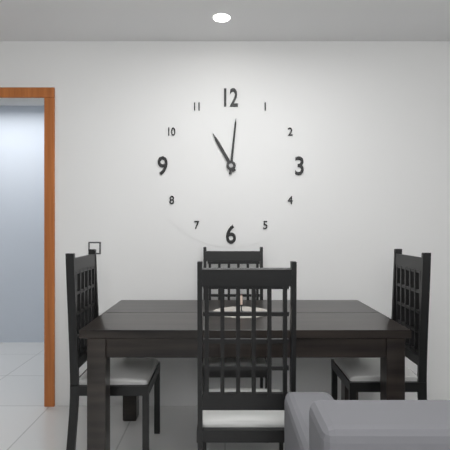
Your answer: **11:01**
